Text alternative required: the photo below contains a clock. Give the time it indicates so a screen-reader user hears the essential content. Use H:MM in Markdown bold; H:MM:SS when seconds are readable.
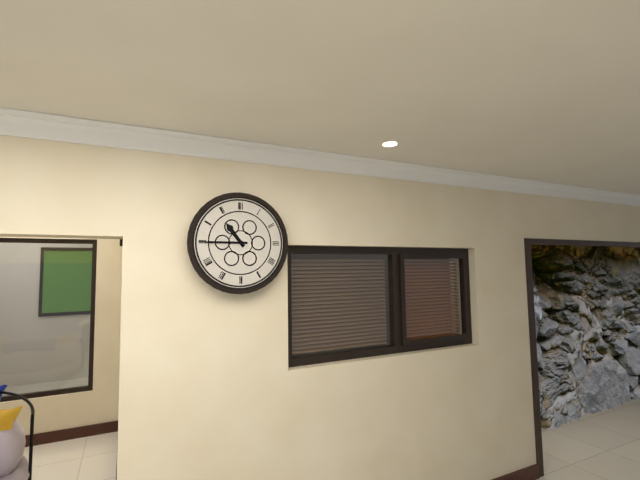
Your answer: **10:45**
